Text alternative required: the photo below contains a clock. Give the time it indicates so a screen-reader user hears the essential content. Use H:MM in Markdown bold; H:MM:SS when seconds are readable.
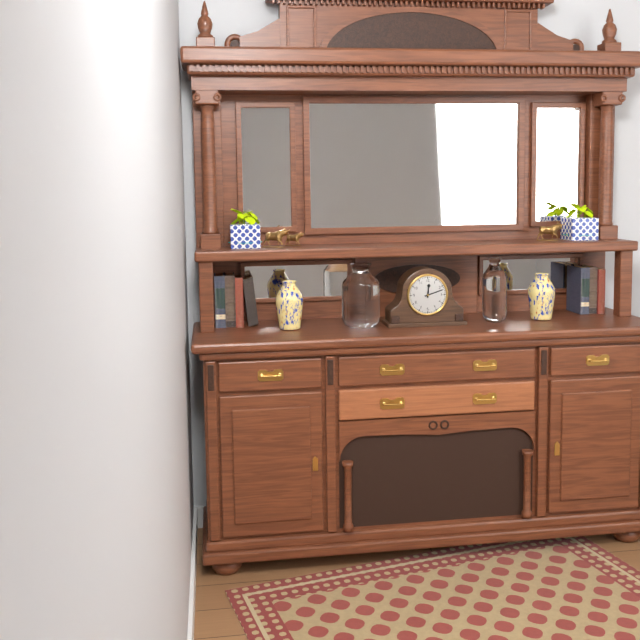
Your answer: **12:12**
